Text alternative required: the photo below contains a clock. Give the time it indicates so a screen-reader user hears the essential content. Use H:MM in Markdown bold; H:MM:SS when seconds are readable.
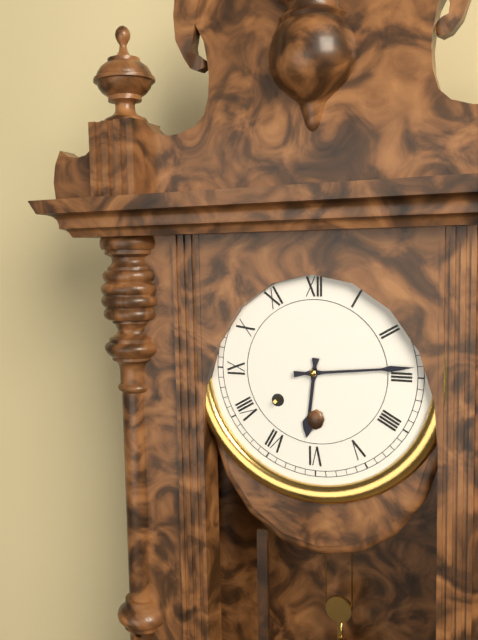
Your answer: **6:14**
